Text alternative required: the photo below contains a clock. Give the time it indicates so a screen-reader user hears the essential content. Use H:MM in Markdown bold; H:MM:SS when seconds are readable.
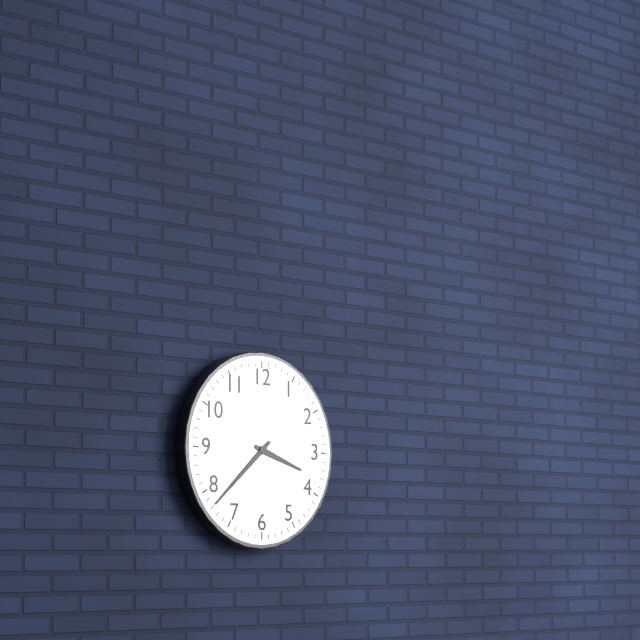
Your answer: **3:38**
